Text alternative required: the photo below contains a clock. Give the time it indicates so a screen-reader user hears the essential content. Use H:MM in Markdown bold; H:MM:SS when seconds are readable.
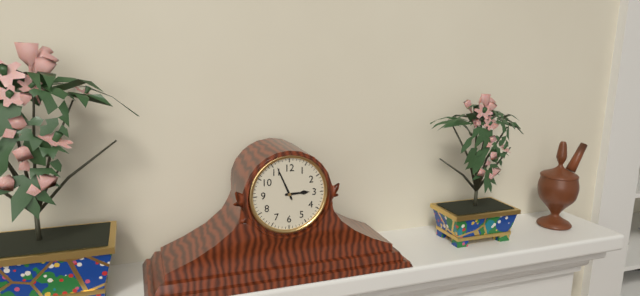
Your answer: **2:56**
